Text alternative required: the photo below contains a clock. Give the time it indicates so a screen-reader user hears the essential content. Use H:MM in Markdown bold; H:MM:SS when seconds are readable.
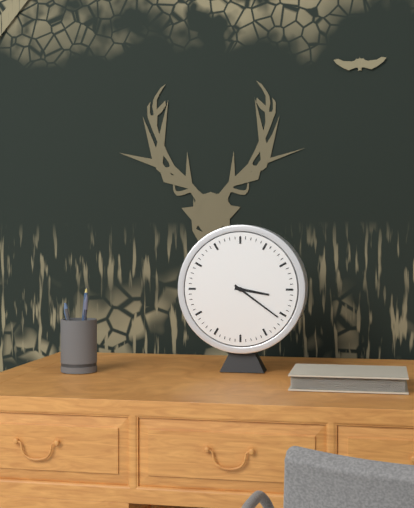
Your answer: **3:21**
